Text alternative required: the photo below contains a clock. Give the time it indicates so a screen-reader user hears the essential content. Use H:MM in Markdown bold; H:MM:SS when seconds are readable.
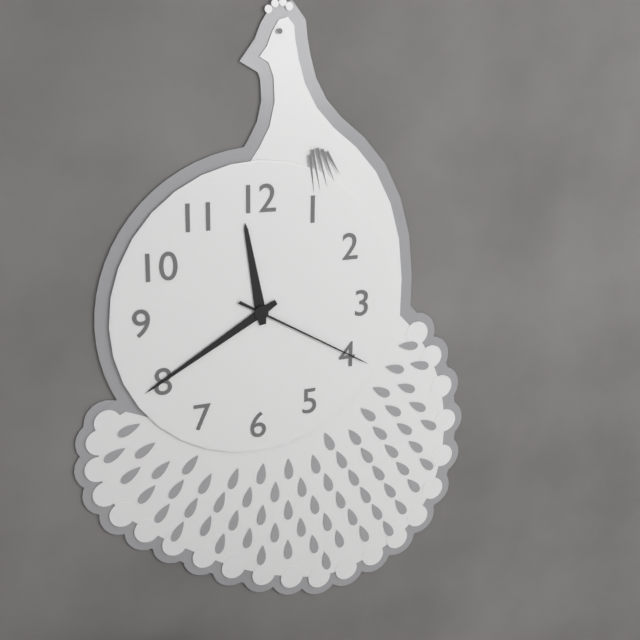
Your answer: **11:40:20**
